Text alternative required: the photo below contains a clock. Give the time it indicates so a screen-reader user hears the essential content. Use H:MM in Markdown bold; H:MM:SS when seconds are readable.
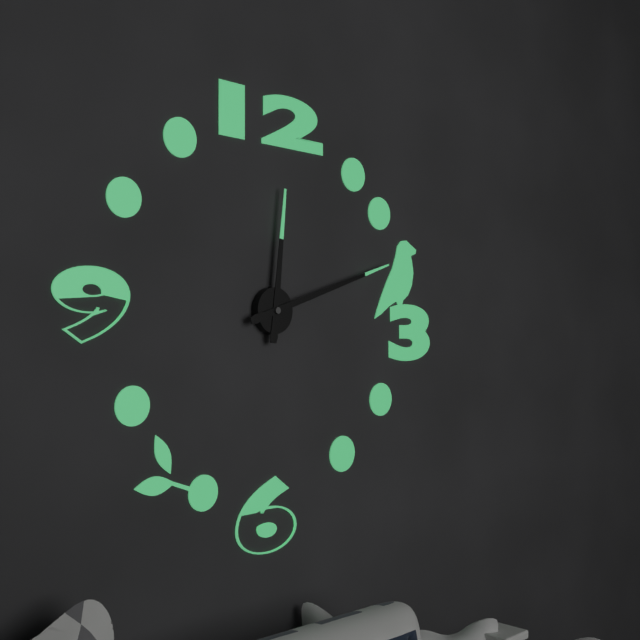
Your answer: **12:12**
